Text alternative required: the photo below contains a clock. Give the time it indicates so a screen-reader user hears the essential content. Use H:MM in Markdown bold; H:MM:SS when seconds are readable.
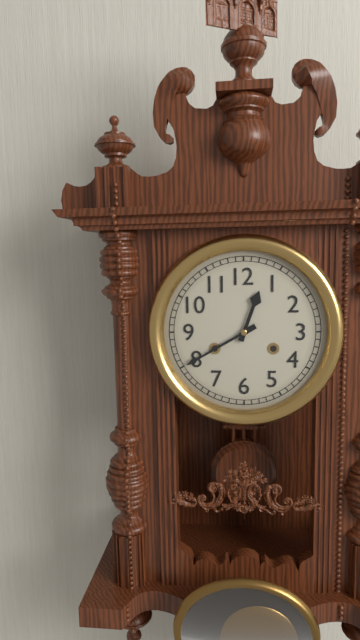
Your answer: **12:40**
